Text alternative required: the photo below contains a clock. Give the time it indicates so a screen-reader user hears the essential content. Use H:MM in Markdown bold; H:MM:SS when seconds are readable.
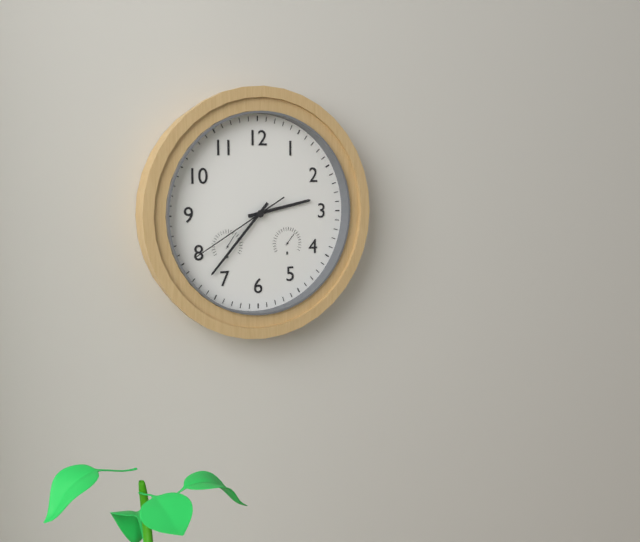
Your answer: **2:37:40**
